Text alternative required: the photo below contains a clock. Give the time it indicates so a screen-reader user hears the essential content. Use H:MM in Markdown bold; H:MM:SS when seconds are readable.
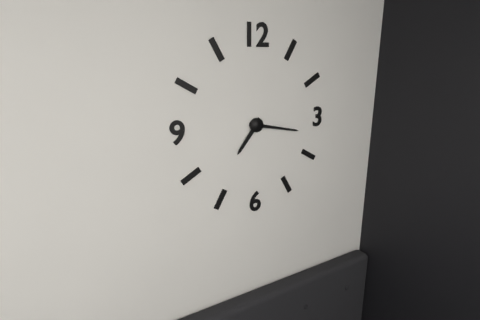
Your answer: **7:17**
